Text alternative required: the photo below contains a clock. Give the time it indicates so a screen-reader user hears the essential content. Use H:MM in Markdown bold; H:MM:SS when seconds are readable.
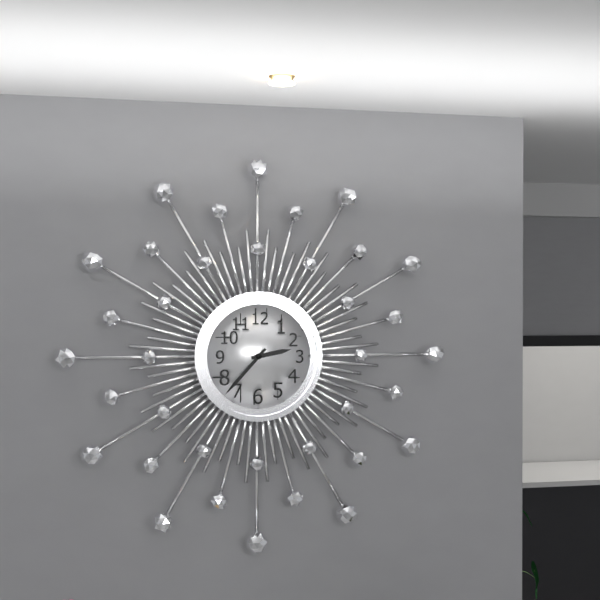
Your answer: **2:37**
